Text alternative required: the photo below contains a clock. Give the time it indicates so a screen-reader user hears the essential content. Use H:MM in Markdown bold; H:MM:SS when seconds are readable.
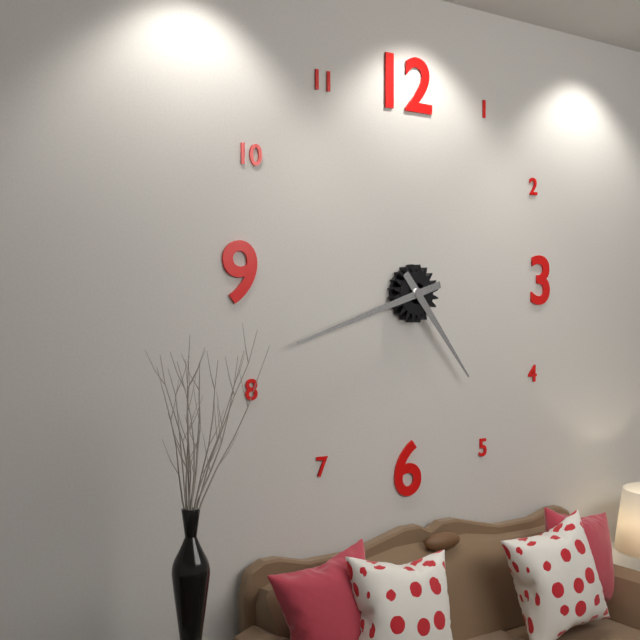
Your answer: **4:42**
